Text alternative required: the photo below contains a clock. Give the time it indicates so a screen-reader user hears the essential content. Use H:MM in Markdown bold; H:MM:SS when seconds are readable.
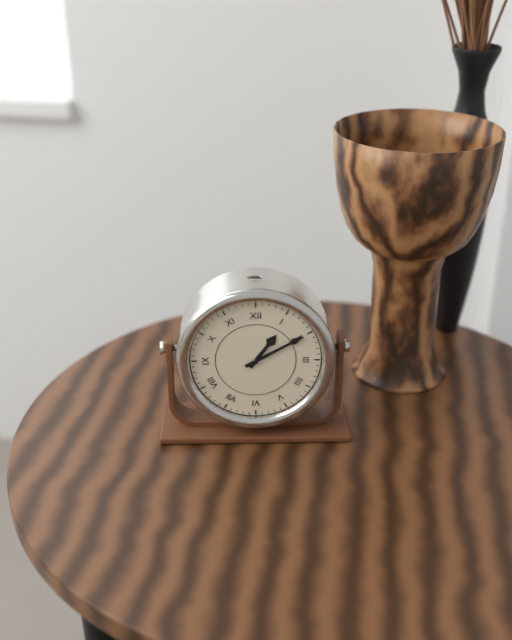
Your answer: **1:10**
